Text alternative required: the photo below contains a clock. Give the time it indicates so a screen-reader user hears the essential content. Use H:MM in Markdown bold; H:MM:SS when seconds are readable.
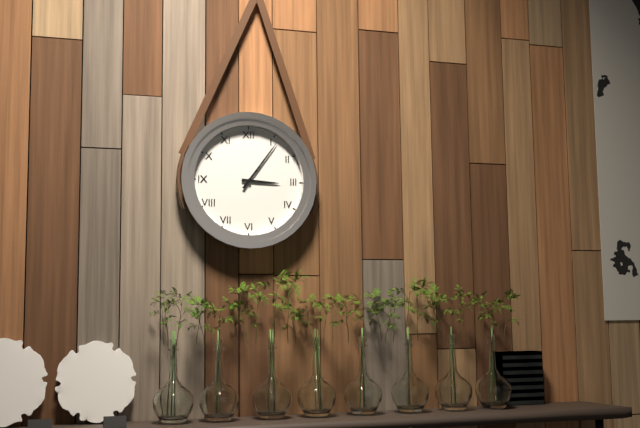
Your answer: **3:06**
